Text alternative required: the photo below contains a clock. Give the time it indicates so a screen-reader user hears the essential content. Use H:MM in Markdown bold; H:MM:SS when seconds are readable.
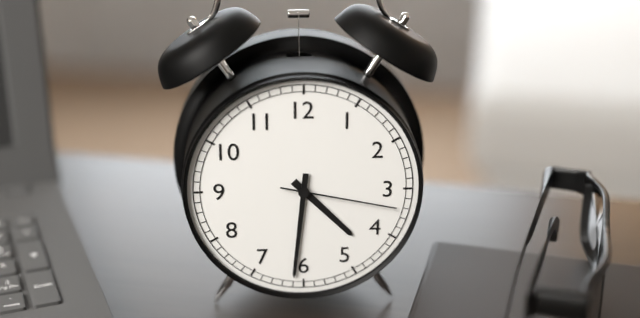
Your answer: **4:31:17**
